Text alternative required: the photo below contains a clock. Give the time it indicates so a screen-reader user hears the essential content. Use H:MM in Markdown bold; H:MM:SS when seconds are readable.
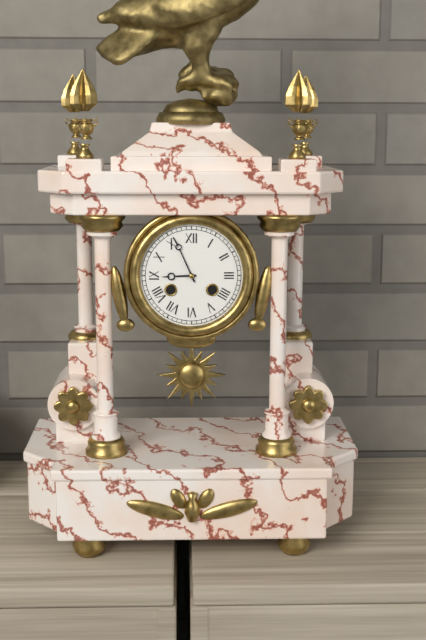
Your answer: **8:56**
